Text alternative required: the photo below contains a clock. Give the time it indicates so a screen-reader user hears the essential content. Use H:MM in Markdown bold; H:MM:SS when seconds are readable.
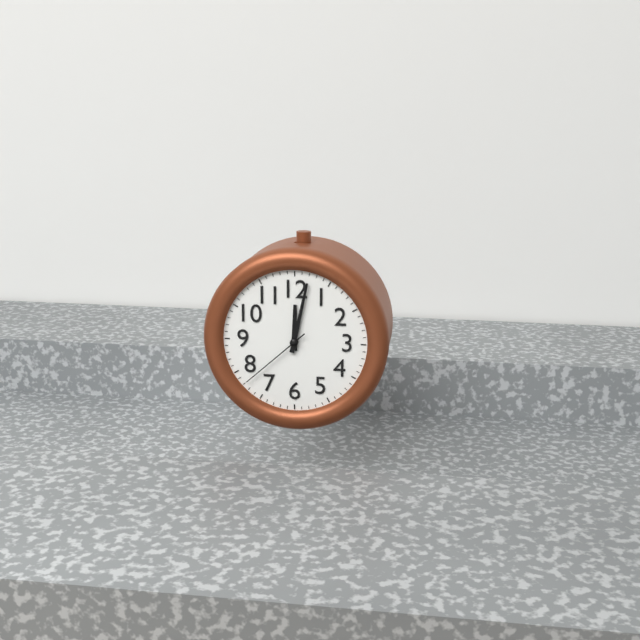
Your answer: **12:02:38**
